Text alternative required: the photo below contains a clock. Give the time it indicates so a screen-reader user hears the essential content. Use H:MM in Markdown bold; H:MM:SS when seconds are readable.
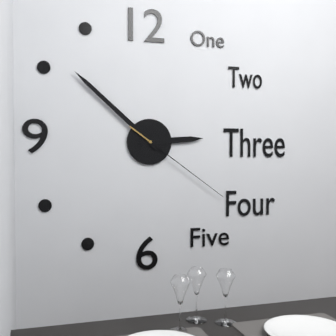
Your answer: **2:52:21**
